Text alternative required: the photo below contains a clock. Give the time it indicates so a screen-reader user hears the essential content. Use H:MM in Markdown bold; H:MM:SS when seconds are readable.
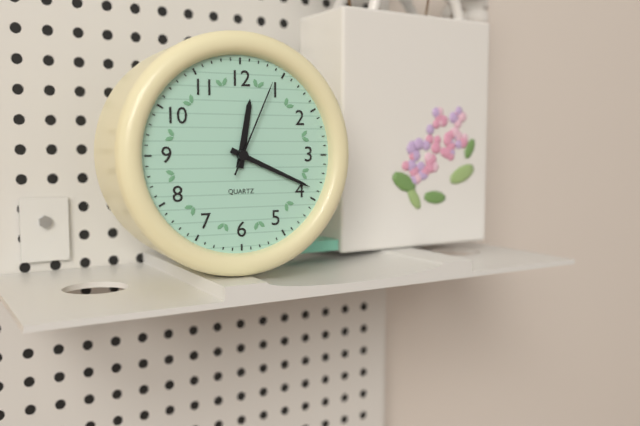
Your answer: **12:19:04**
